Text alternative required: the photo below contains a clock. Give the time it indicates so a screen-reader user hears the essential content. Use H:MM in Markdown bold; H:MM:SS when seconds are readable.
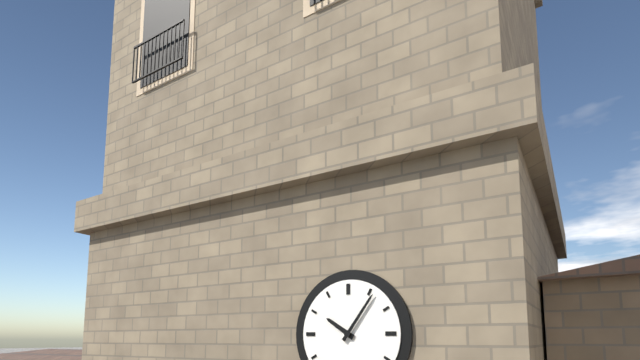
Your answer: **10:06**
